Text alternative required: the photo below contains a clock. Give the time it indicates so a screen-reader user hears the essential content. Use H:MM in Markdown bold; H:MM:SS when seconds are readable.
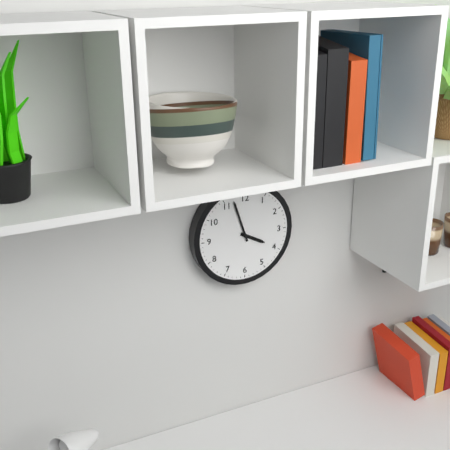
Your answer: **3:57**
